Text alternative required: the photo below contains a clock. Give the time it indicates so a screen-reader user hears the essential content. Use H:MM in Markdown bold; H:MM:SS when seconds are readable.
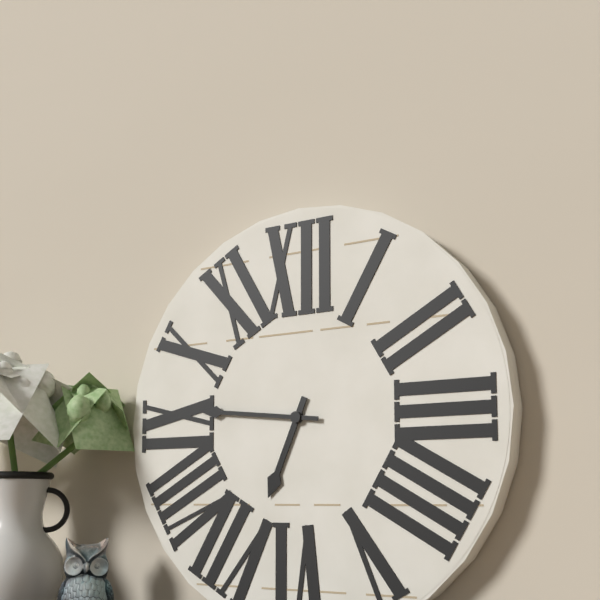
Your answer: **6:46**
